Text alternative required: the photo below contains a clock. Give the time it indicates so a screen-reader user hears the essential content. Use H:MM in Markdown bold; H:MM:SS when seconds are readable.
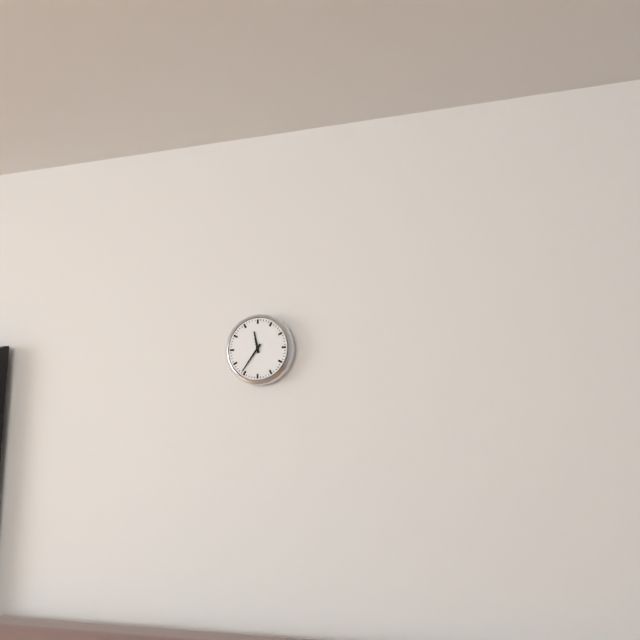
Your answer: **11:36**
